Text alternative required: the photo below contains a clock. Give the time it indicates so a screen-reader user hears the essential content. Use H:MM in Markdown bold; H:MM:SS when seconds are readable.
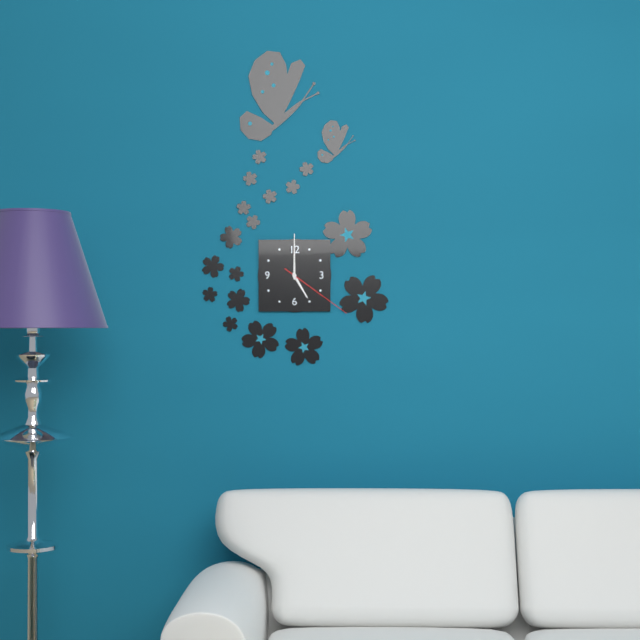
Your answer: **5:00:21**
